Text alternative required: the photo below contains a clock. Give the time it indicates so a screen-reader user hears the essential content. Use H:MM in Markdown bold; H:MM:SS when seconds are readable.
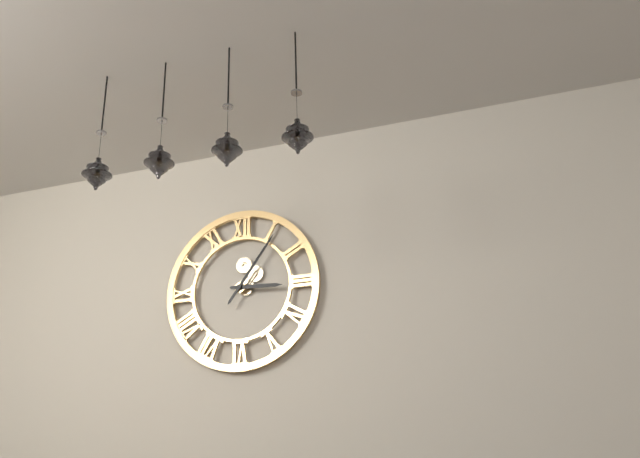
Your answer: **3:06**
